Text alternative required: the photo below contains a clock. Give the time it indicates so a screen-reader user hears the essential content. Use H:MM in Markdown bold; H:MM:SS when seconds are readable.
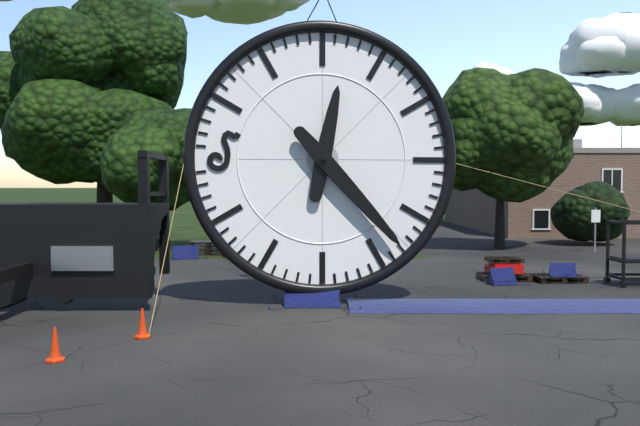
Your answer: **12:23**
